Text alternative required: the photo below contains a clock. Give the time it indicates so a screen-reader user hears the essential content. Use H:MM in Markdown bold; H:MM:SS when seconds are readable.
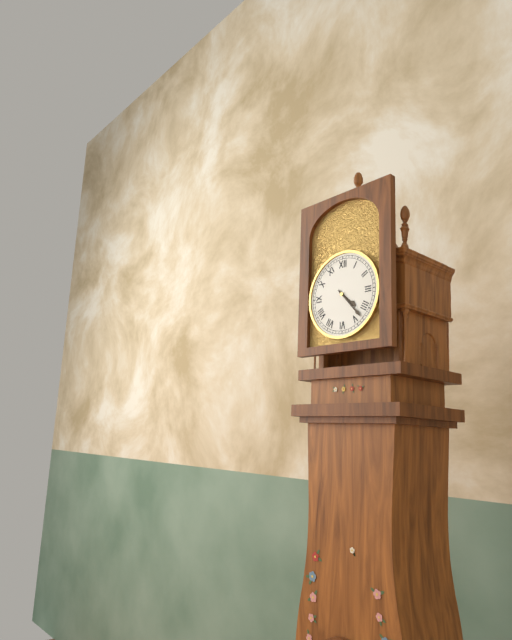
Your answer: **4:23**
